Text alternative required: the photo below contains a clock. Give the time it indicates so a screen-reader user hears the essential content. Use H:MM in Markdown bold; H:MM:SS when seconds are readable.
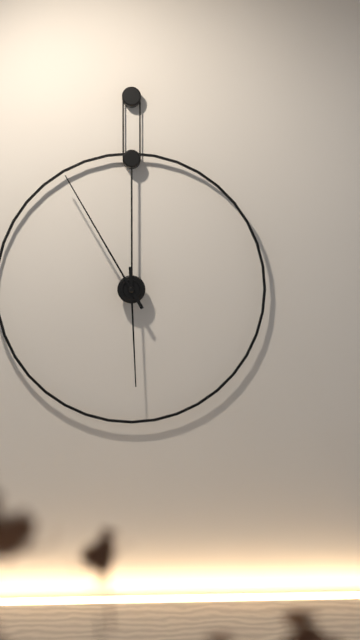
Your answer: **5:55**
